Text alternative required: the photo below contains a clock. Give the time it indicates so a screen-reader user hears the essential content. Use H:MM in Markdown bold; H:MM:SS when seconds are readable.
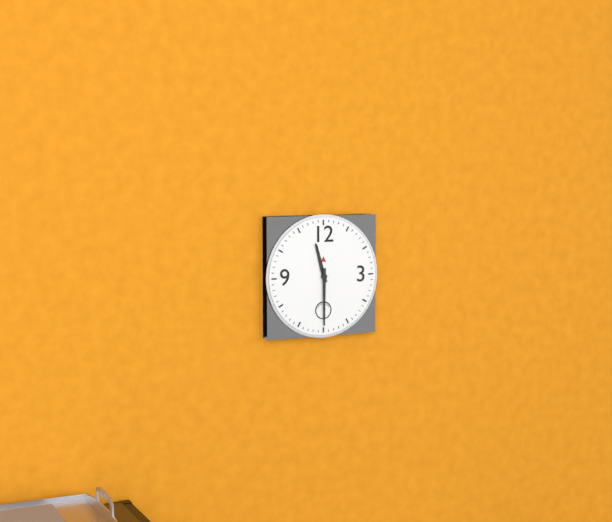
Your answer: **11:30**
